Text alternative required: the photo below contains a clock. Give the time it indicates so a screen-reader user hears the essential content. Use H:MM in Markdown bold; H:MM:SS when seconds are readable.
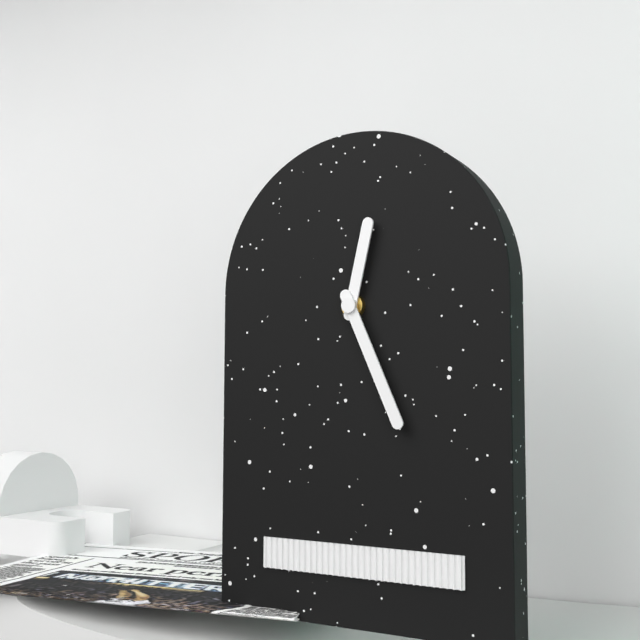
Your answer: **12:26**
